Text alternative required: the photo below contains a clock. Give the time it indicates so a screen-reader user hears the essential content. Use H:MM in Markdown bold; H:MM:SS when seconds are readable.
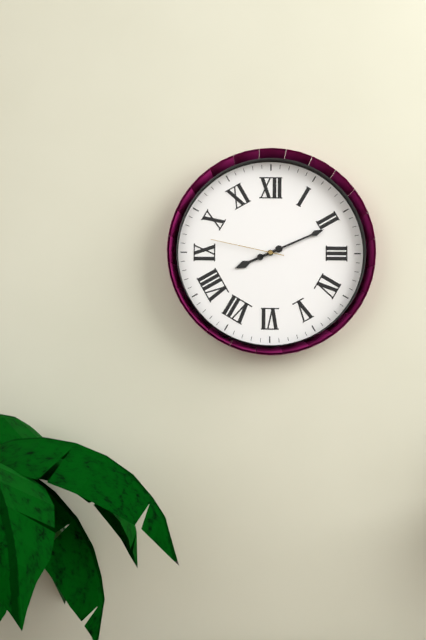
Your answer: **8:11:47**
